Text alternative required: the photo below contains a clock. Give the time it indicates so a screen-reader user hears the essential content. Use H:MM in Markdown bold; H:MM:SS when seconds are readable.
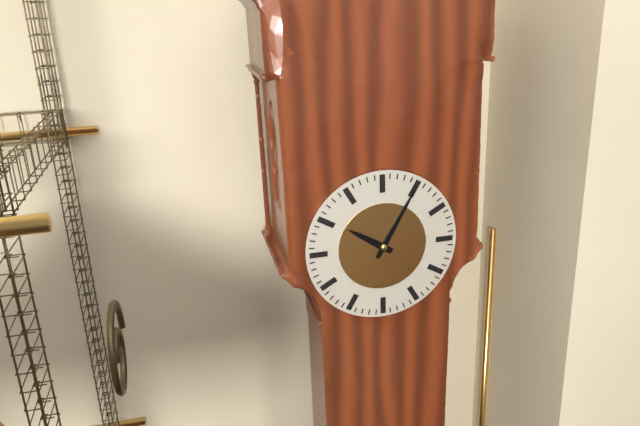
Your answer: **10:05**
